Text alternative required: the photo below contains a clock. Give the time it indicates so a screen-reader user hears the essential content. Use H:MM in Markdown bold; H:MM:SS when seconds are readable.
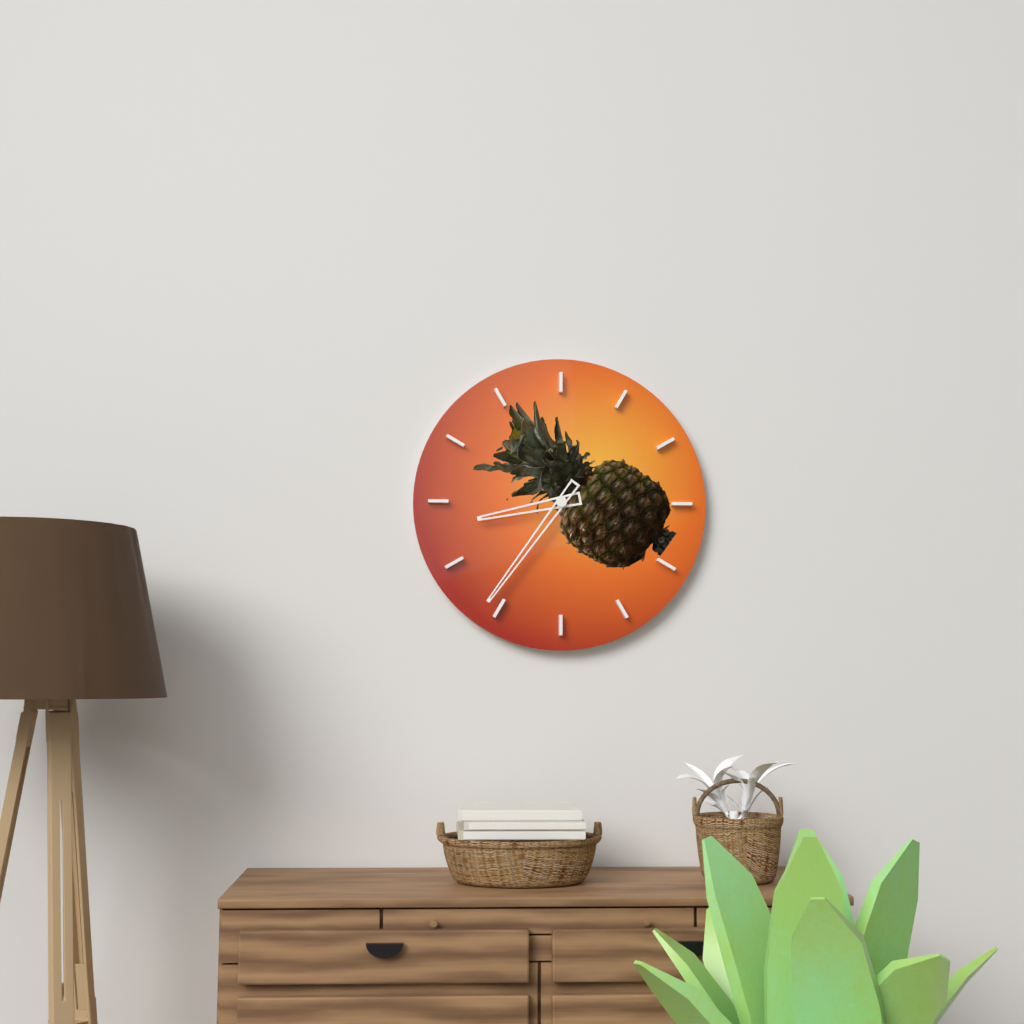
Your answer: **8:36**
